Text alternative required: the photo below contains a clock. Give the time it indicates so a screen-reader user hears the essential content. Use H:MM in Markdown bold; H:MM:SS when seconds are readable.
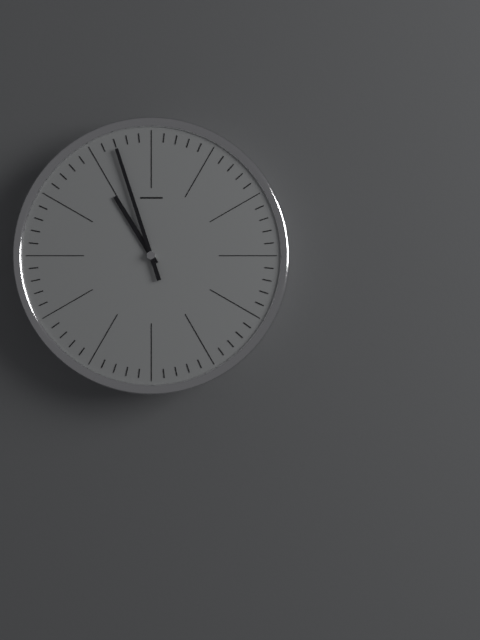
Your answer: **10:57**
